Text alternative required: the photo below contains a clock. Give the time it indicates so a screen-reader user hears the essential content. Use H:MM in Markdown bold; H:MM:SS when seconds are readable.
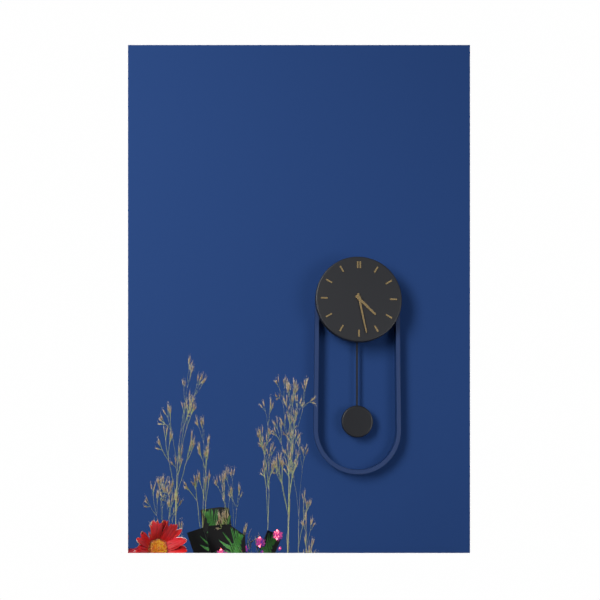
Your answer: **4:28**
